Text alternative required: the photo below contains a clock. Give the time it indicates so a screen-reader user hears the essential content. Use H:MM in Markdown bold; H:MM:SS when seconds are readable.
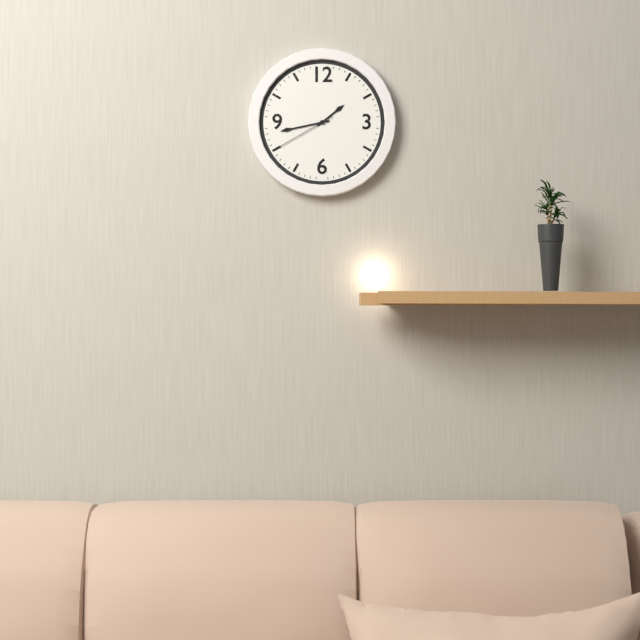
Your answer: **1:43:40**
